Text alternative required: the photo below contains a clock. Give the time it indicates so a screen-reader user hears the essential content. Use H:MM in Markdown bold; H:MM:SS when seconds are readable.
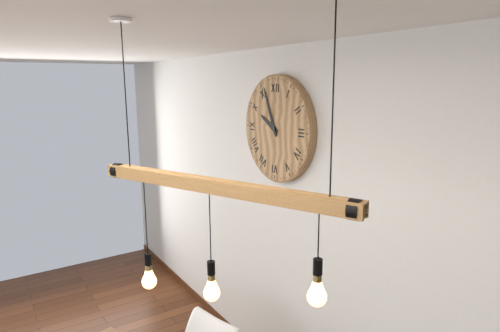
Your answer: **9:56**
